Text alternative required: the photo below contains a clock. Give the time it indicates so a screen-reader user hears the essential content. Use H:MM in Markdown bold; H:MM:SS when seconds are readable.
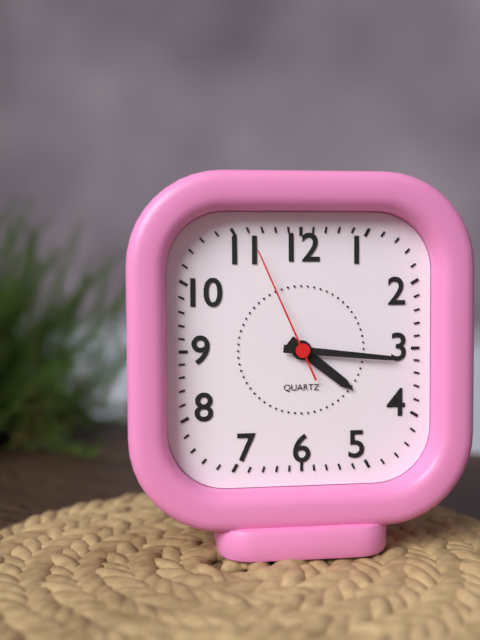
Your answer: **4:16:56**
